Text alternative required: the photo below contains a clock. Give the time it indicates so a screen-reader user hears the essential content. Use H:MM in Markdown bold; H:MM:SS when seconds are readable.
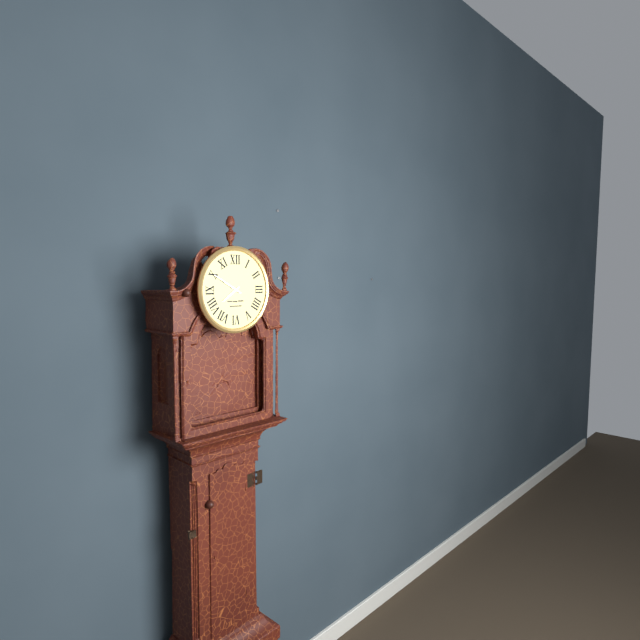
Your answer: **7:50**
